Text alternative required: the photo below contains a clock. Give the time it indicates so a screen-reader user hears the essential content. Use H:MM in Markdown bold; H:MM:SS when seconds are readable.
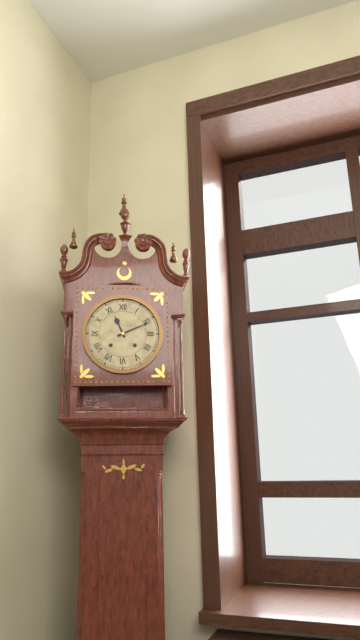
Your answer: **11:11**
